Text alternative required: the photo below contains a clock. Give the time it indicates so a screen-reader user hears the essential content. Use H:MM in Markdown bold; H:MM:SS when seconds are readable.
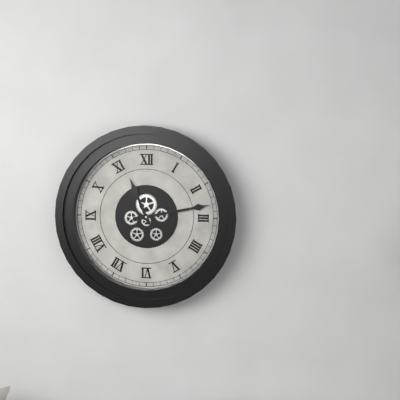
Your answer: **11:13**
